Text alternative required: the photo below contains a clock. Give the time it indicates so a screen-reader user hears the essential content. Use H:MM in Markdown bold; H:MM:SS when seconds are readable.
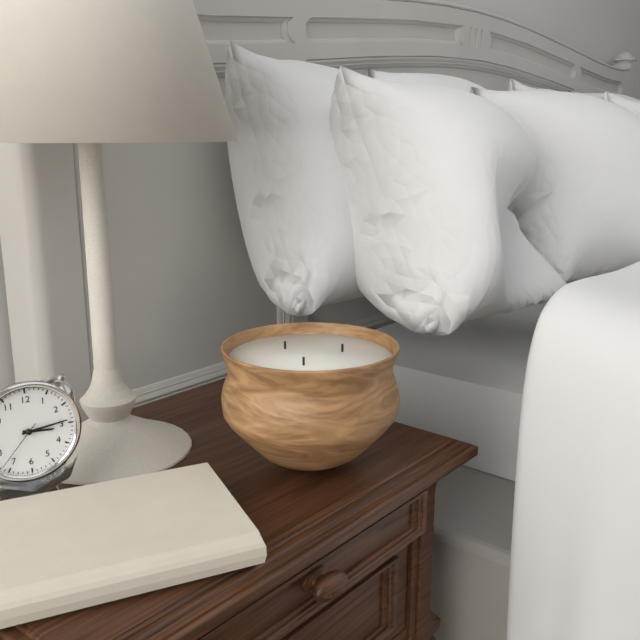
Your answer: **3:14:37**
